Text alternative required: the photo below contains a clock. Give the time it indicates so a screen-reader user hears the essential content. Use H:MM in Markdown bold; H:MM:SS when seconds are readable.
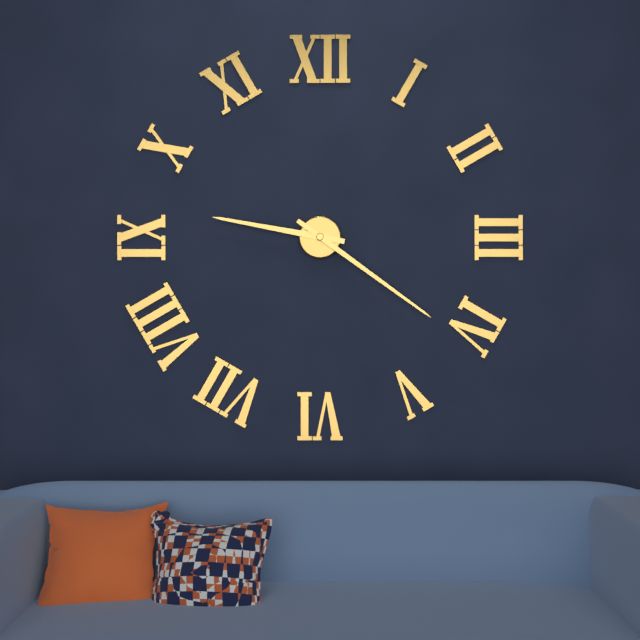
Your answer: **9:21**
